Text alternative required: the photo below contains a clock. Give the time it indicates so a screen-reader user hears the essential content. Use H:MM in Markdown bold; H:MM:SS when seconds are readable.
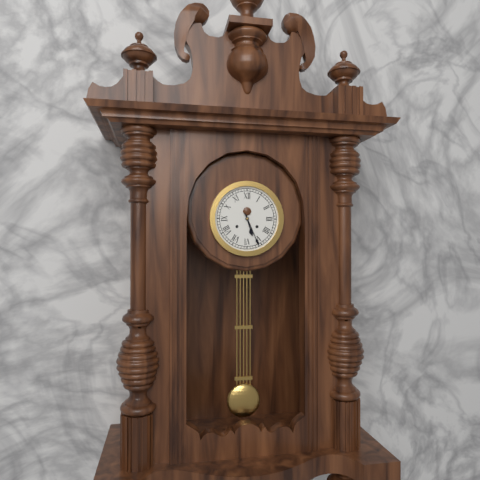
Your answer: **5:26**
